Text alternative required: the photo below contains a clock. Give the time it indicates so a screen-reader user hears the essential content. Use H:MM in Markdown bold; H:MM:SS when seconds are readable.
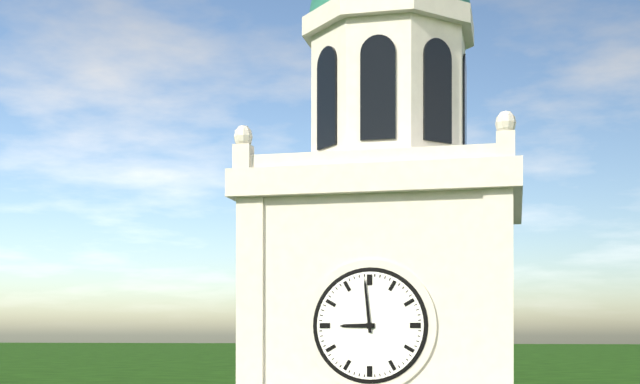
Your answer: **8:59**
